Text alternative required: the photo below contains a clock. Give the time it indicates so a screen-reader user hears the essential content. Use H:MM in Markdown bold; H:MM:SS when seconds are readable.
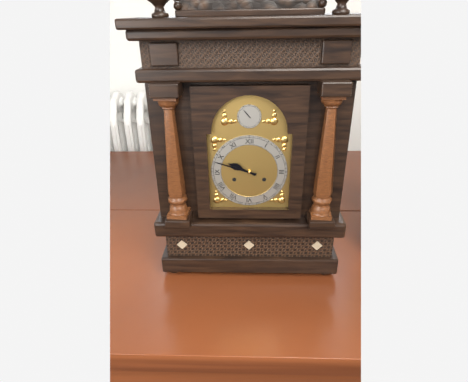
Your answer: **9:48**
